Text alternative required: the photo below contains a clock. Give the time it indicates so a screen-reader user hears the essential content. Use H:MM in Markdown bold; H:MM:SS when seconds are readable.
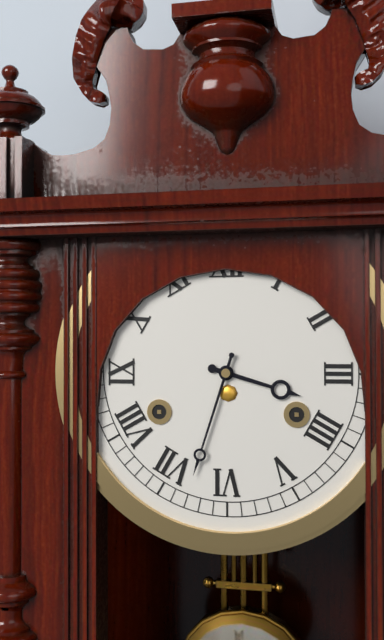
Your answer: **3:33**
